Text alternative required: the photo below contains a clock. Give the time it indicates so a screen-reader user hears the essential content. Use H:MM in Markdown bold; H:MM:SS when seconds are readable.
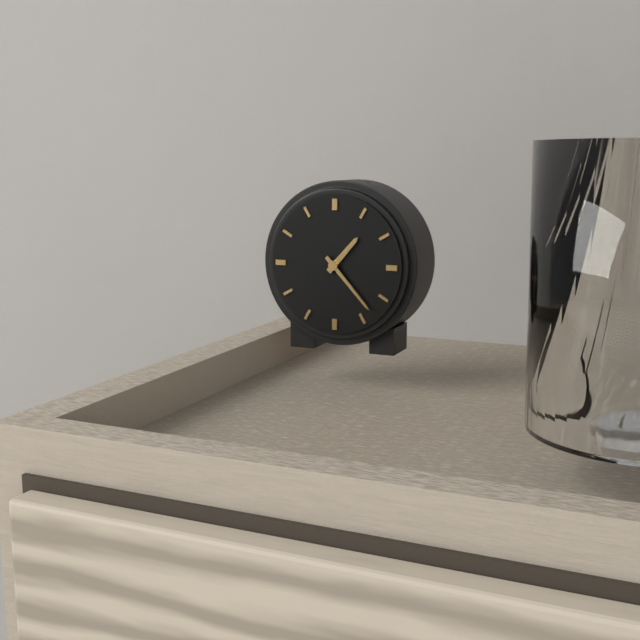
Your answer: **1:23**
